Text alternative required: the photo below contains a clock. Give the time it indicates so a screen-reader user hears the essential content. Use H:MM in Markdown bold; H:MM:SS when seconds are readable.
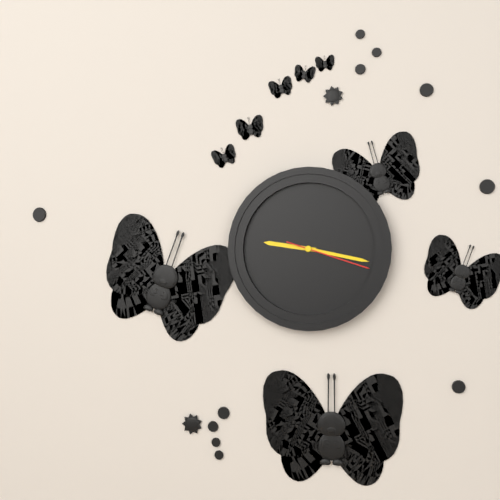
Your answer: **9:17:18**
